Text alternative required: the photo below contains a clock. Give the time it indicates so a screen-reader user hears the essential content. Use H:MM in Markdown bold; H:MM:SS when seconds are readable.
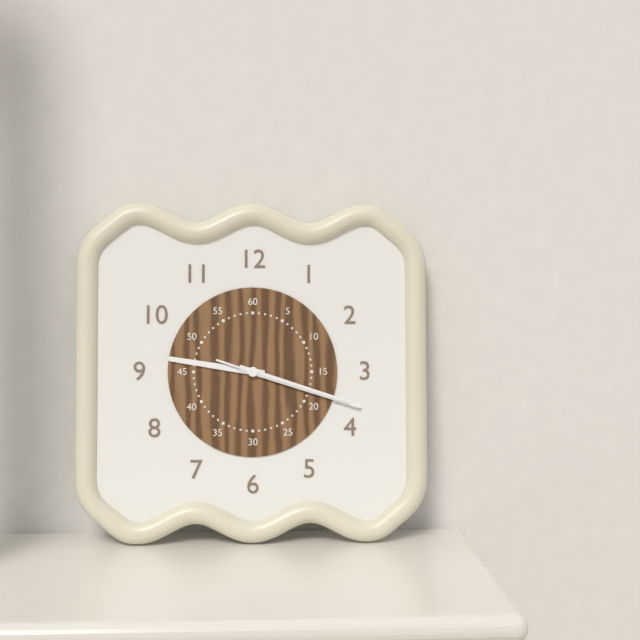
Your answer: **9:18:18**
